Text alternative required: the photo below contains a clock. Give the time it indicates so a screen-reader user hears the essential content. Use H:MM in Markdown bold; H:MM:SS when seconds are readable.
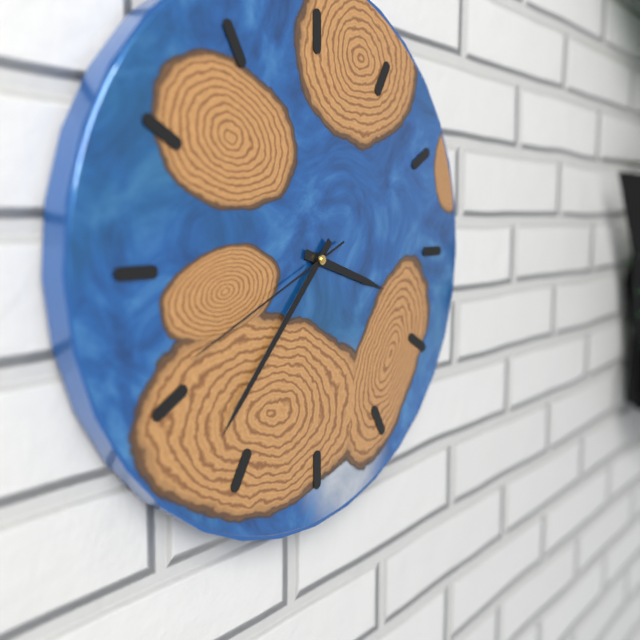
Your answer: **3:37:41**
